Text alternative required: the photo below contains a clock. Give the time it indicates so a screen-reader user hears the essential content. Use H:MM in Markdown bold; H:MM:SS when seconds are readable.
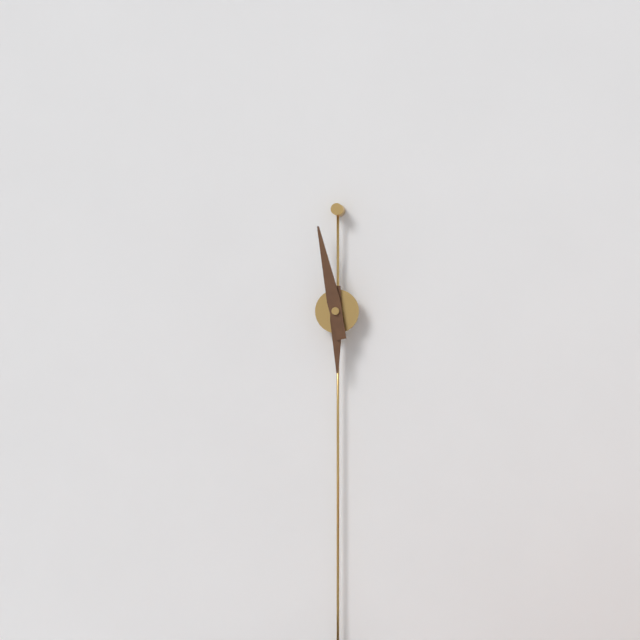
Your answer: **5:58**
